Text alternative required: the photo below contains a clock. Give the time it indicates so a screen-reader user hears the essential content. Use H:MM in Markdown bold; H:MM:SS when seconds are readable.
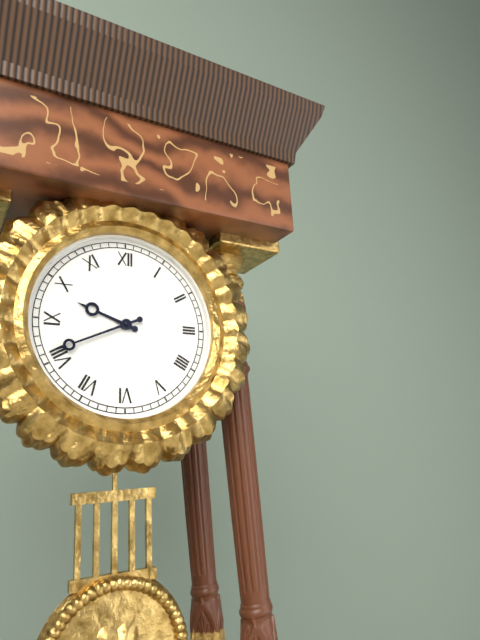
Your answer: **9:41**
